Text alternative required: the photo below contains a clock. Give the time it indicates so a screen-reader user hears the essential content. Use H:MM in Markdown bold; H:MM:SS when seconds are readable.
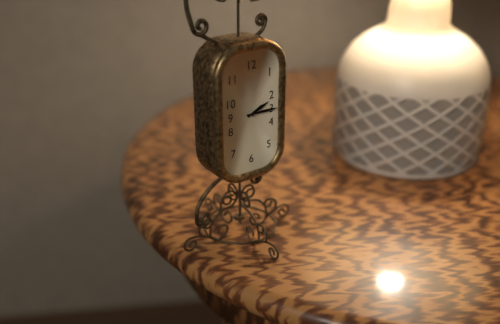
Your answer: **2:15**
